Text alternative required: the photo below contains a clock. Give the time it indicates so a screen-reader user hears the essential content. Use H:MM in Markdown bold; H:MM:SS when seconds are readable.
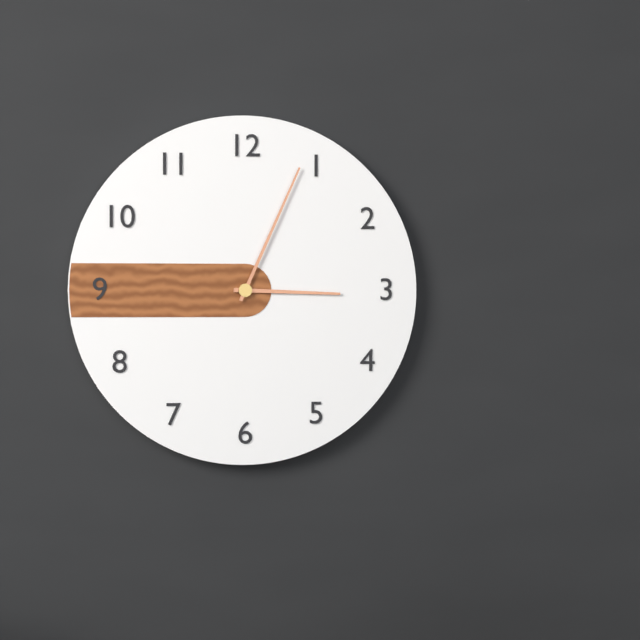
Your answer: **3:04**
